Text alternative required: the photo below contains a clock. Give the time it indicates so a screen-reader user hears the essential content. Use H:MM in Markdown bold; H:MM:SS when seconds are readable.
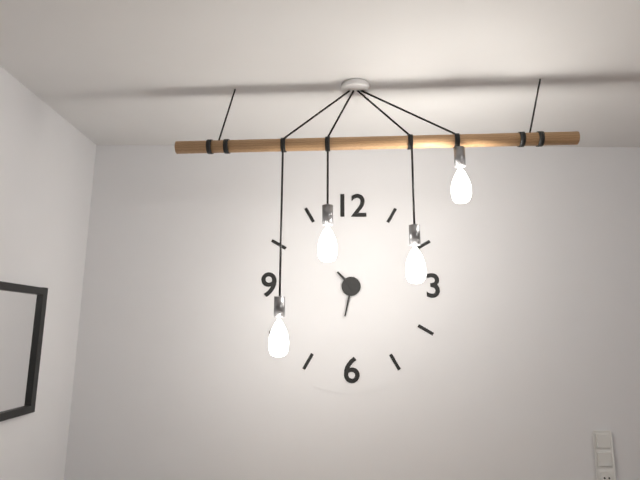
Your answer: **10:32**
